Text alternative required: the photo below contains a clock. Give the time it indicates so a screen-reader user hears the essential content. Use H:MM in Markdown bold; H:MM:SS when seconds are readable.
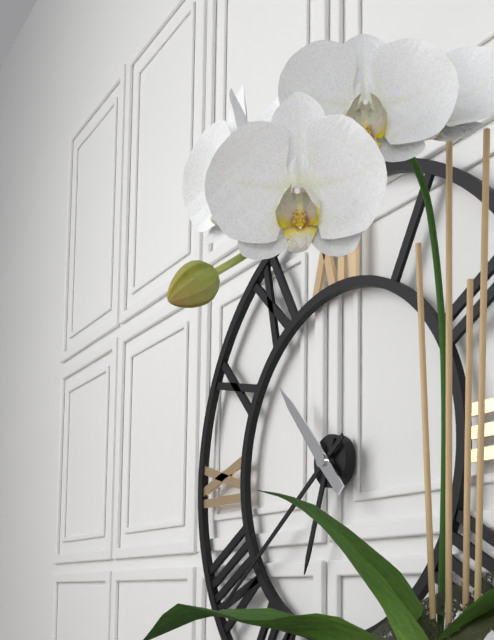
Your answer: **6:39:53**
